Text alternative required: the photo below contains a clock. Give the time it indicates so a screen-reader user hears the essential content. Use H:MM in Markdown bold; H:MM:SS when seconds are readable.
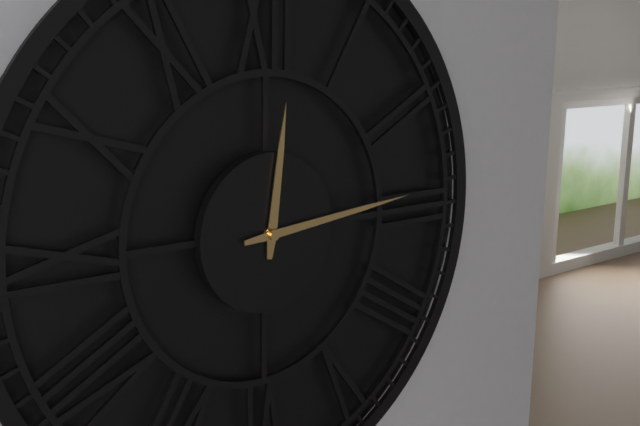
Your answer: **12:14**
